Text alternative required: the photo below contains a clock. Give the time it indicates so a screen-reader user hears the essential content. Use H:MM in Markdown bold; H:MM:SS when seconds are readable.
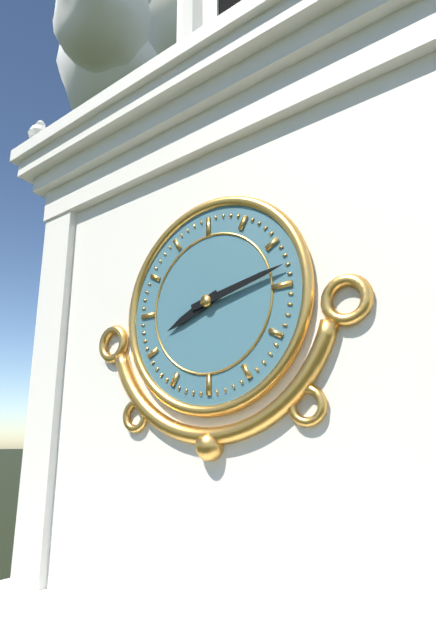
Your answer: **8:13**
